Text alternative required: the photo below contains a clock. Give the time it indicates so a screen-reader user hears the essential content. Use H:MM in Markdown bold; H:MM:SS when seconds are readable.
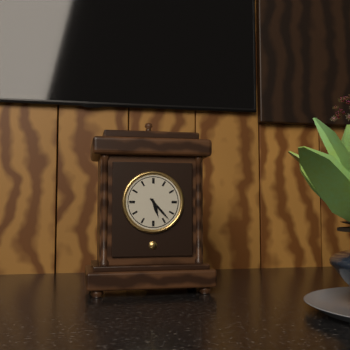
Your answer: **5:23**
